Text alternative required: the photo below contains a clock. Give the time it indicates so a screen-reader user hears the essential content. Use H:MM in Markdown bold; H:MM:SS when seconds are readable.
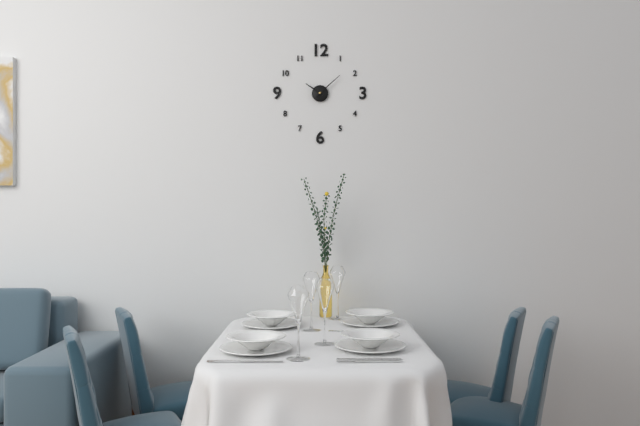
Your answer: **10:08**
